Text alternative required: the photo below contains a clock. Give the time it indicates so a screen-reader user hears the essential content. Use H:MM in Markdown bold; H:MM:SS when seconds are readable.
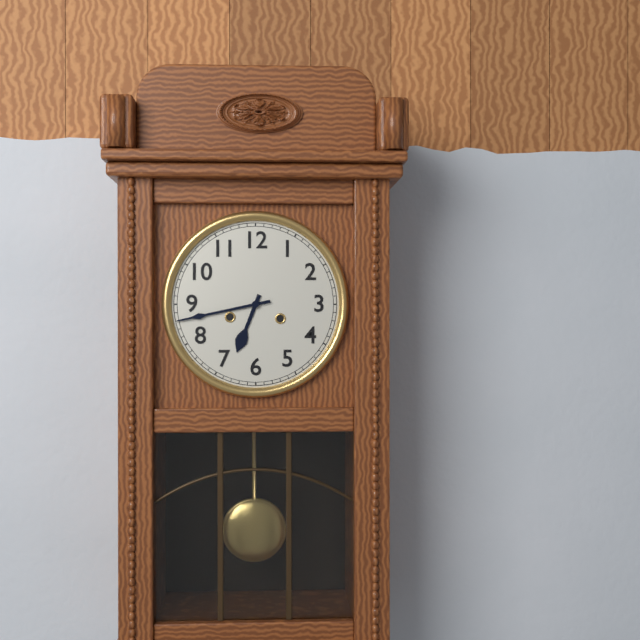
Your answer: **6:43**
